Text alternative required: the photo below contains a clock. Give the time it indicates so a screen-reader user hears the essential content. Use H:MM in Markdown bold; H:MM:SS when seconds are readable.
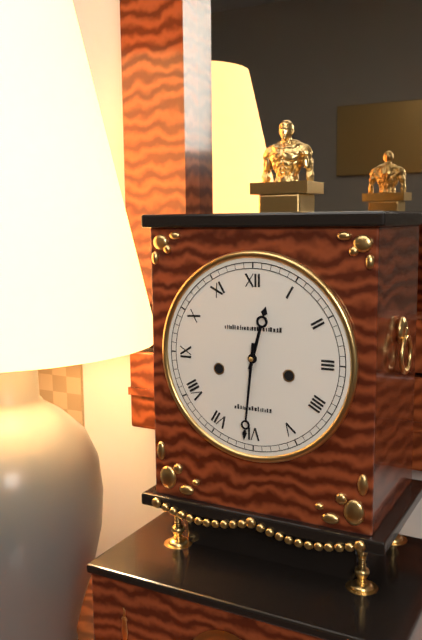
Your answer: **12:31**
